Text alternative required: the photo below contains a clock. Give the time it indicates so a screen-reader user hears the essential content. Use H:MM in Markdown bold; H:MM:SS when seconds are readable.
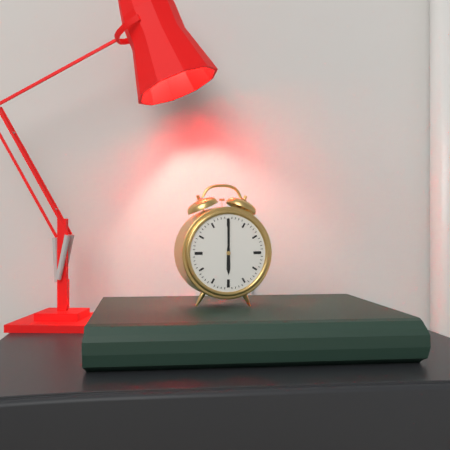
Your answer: **6:00**
